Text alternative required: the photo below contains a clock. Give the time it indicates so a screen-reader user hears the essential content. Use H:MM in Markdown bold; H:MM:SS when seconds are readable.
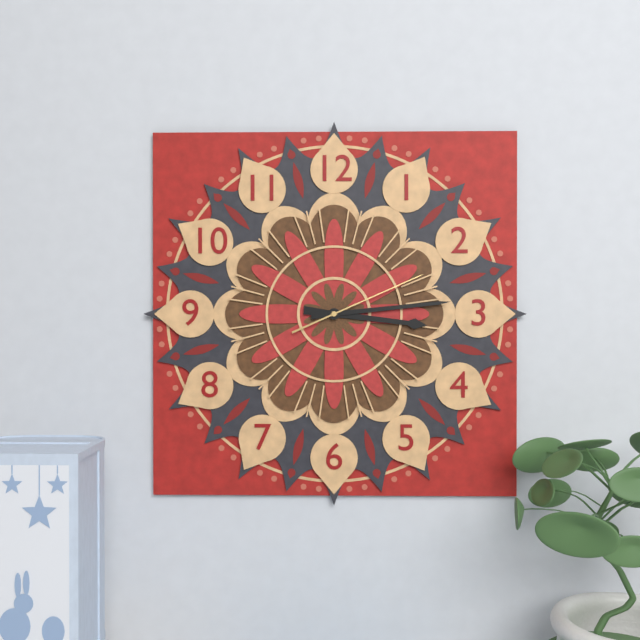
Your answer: **3:14:11**
